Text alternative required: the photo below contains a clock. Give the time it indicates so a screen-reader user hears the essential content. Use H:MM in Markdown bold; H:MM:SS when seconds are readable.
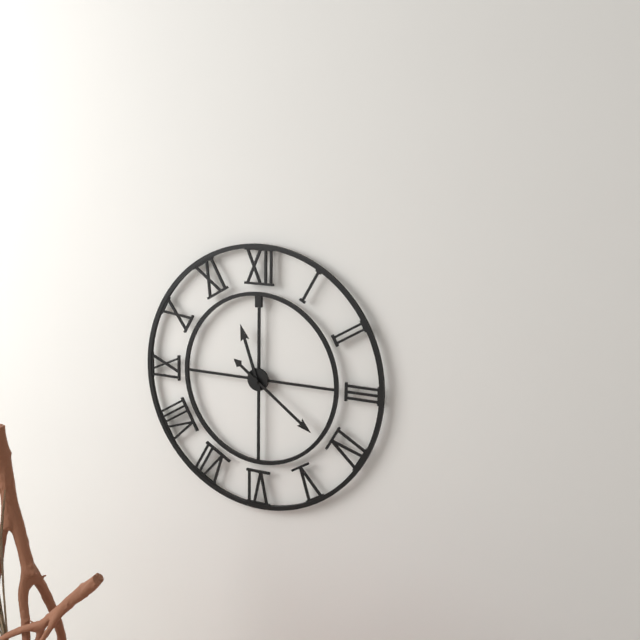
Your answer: **11:21**
